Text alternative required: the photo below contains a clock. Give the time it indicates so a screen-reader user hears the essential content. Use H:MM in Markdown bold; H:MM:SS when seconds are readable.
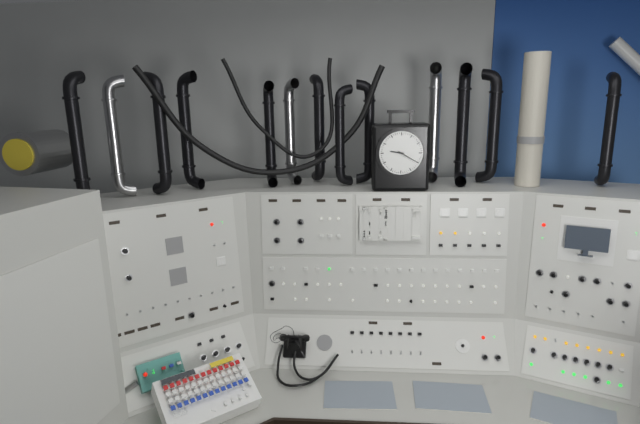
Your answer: **9:20**
